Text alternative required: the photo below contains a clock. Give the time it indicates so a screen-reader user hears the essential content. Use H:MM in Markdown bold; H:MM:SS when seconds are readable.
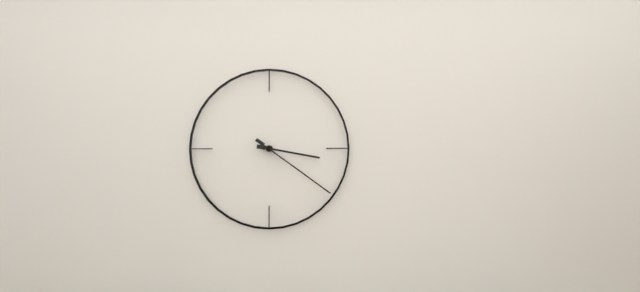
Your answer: **3:21**
